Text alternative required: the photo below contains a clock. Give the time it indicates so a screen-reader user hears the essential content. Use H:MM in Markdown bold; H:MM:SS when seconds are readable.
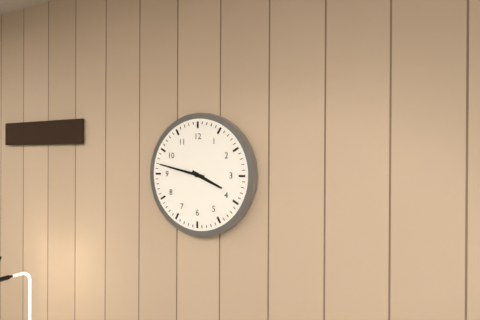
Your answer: **3:47**
